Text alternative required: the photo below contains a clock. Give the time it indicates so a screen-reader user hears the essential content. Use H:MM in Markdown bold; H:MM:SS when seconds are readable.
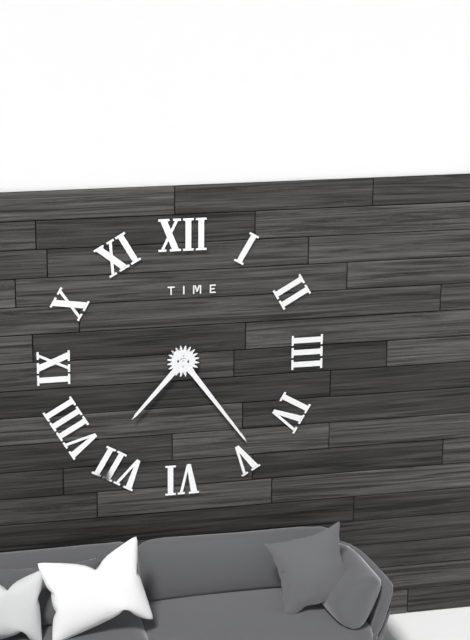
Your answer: **7:24**
